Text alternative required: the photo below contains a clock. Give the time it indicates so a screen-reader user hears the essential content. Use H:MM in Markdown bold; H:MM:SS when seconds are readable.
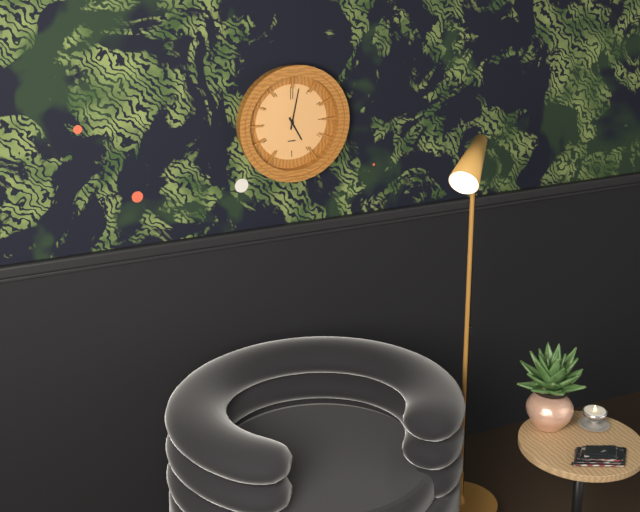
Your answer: **5:02**
